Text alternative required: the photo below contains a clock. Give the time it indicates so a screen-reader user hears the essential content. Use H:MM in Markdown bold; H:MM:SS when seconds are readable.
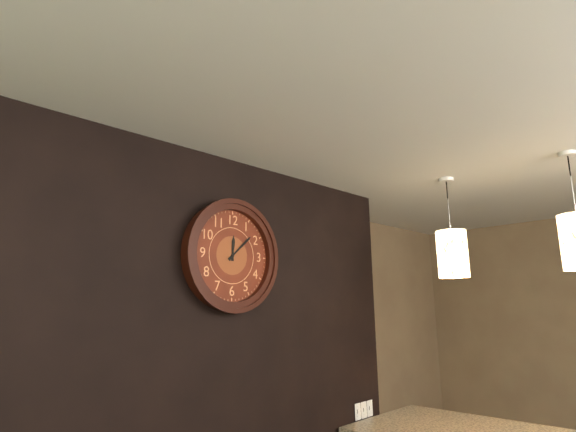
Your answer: **12:08**
